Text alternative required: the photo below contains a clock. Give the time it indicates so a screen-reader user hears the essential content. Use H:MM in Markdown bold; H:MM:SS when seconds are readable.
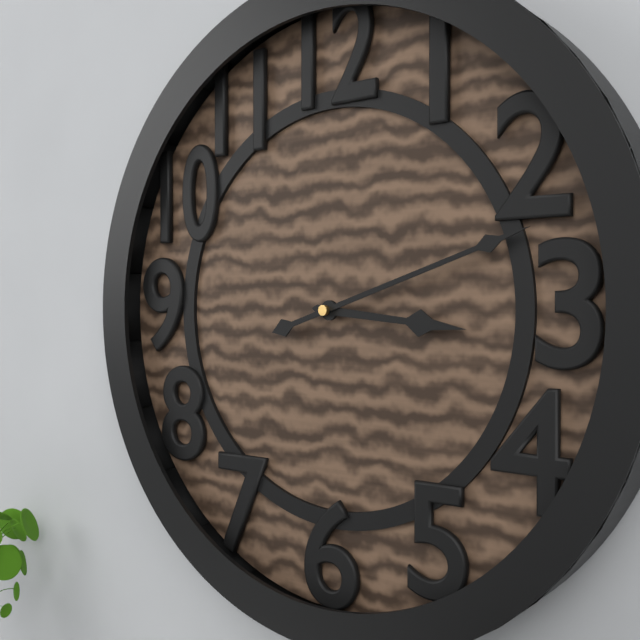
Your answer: **3:12**
